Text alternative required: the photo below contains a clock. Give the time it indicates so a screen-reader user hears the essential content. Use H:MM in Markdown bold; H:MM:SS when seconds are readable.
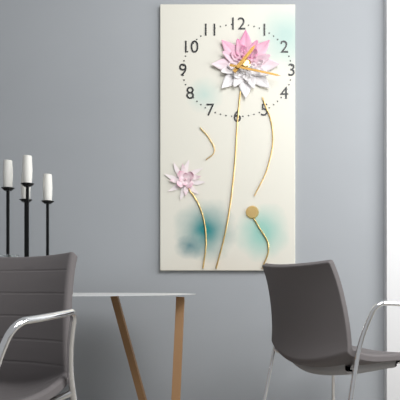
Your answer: **1:17**
